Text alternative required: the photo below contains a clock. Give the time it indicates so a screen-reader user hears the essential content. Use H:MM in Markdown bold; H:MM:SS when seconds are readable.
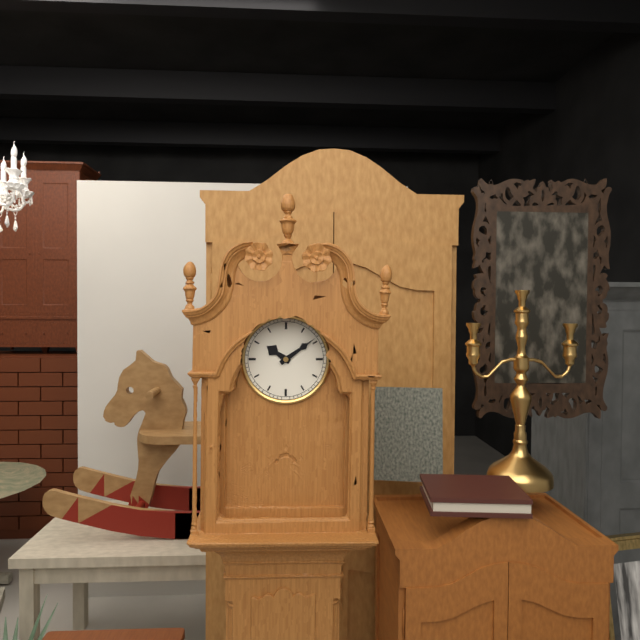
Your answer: **10:09**
